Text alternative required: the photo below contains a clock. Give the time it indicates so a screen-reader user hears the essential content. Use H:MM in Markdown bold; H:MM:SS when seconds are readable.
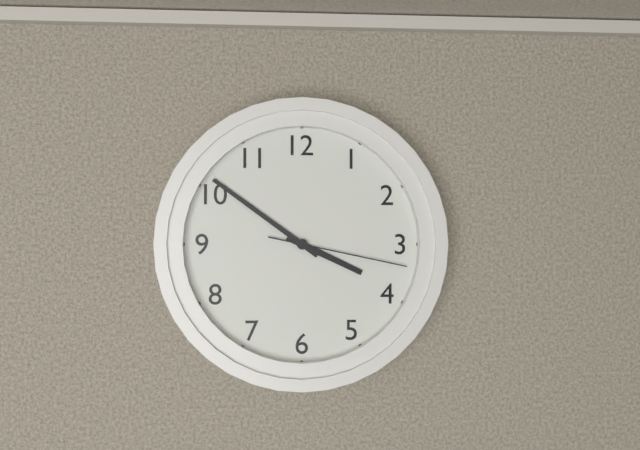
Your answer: **3:51:17**
